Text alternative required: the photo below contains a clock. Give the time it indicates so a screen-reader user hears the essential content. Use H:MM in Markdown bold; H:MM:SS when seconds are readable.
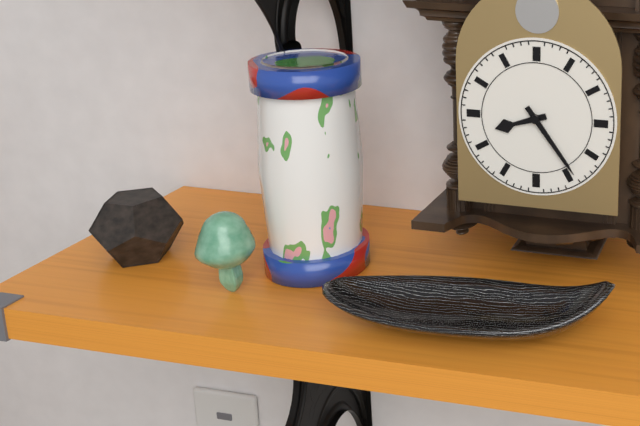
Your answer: **8:24**
